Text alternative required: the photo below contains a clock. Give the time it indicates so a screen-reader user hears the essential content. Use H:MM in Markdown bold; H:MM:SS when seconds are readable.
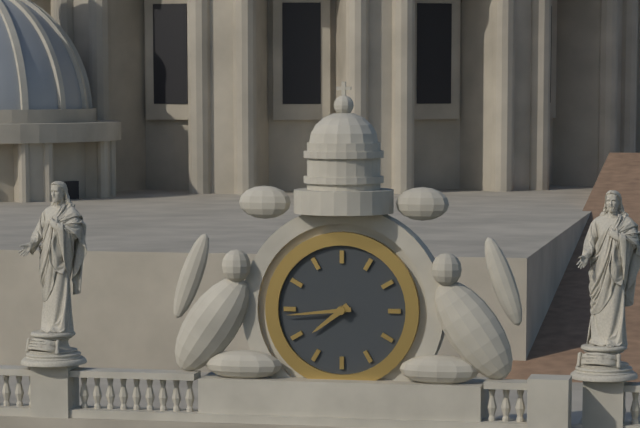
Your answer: **7:44**
